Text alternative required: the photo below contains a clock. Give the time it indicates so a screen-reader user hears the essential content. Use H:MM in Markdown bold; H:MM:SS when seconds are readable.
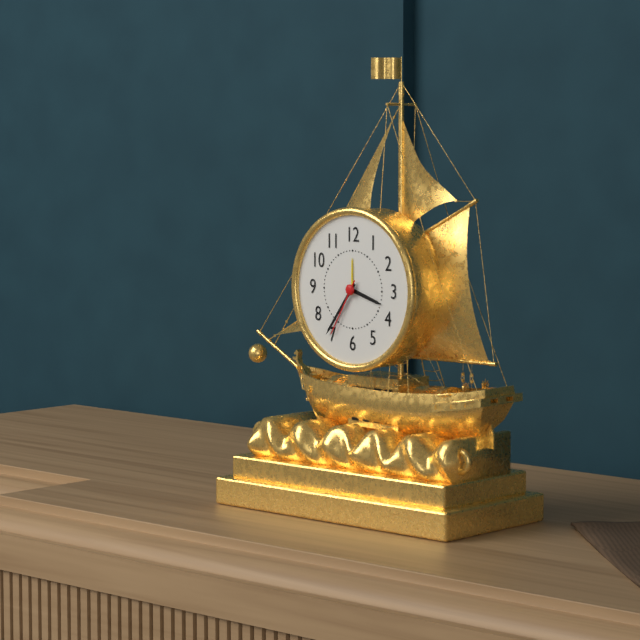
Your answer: **3:36:35**
